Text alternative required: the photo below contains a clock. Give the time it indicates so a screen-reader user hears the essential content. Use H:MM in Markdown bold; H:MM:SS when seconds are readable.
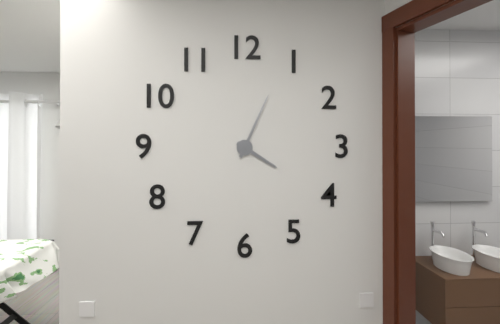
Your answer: **4:04**
